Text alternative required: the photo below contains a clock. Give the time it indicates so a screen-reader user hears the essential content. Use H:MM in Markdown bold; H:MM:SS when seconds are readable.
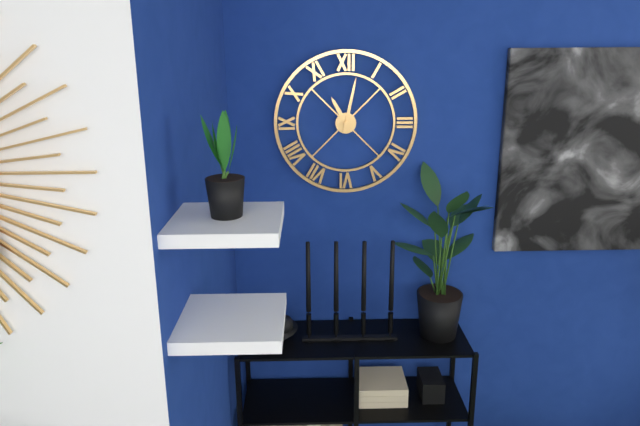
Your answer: **11:02**
